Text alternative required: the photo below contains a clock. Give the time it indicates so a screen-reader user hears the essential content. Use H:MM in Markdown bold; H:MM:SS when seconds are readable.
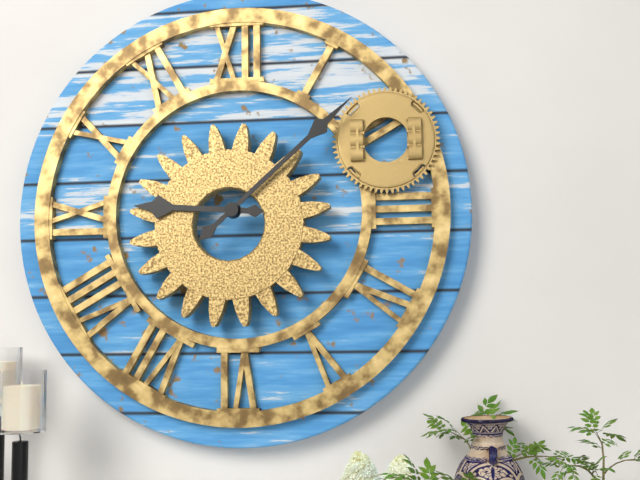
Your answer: **9:08**
